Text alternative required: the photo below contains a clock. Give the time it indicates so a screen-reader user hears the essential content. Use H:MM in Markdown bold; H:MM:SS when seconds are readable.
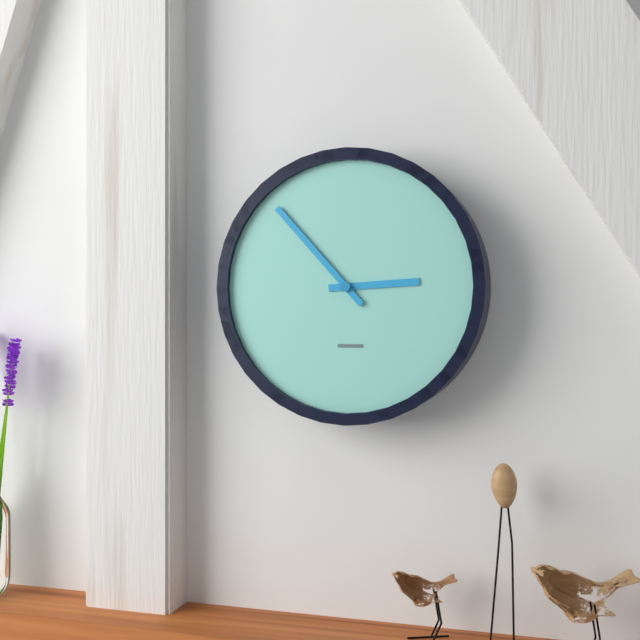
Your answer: **2:53**
